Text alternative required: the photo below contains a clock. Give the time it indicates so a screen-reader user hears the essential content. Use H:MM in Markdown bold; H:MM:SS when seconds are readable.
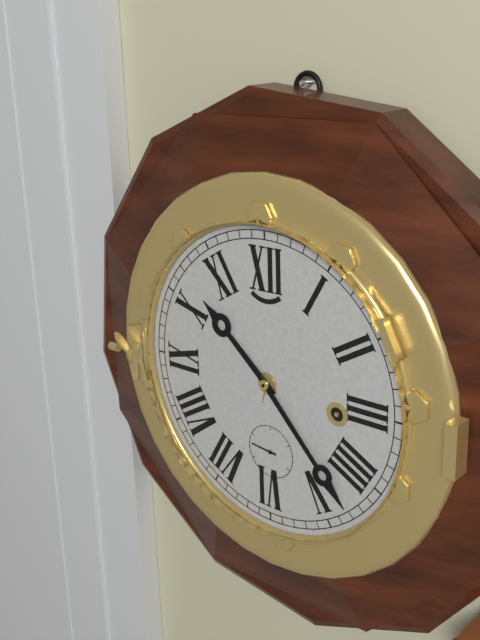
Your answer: **10:23:46**
